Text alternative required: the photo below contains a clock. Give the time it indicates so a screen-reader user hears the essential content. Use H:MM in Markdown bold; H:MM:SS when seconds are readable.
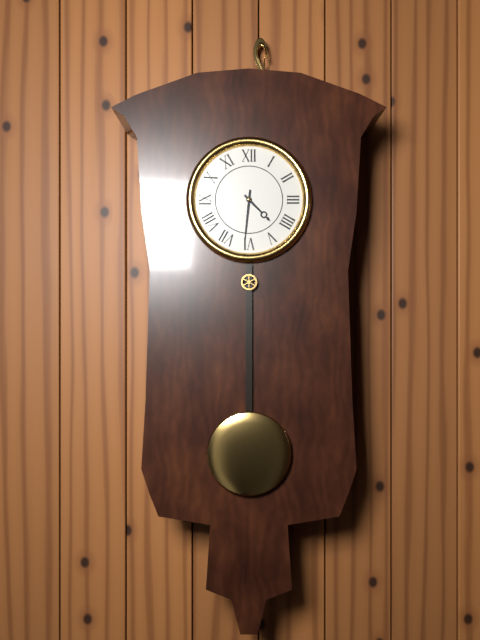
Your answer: **4:31**
